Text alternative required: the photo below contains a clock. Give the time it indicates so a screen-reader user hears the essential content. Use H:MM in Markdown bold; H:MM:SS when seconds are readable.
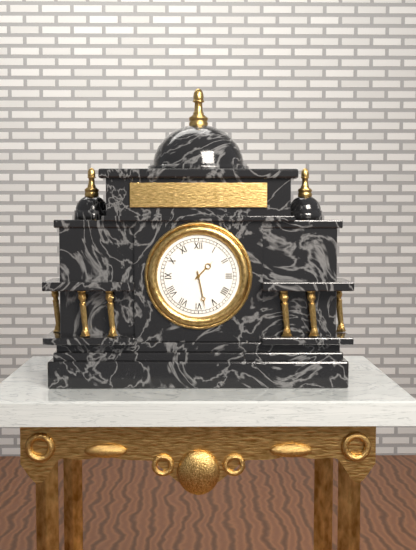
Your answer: **1:28**
